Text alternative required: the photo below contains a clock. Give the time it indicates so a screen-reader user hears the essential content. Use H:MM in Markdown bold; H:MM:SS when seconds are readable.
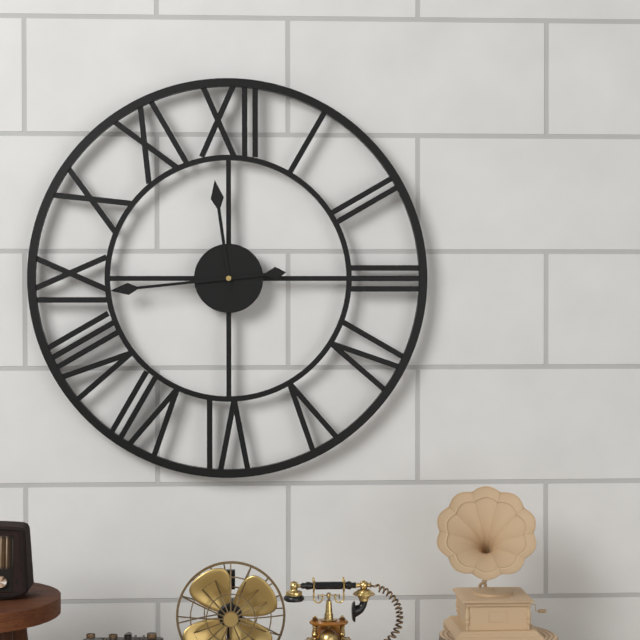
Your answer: **11:44**
